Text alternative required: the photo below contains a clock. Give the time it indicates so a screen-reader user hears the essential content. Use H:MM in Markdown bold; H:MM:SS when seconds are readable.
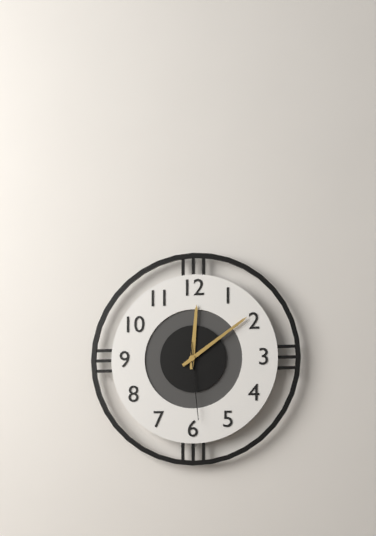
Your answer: **12:09:29**
